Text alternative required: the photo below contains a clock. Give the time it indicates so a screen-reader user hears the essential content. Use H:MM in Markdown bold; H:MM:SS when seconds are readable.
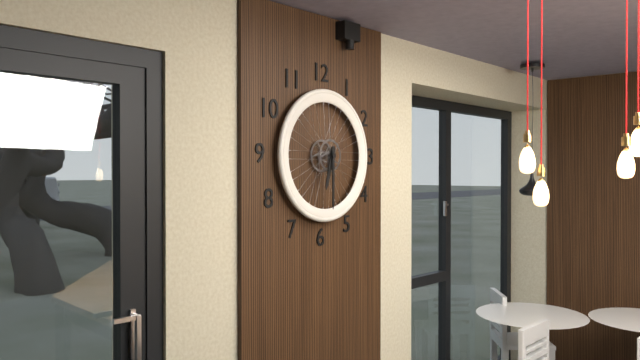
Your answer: **6:30**
